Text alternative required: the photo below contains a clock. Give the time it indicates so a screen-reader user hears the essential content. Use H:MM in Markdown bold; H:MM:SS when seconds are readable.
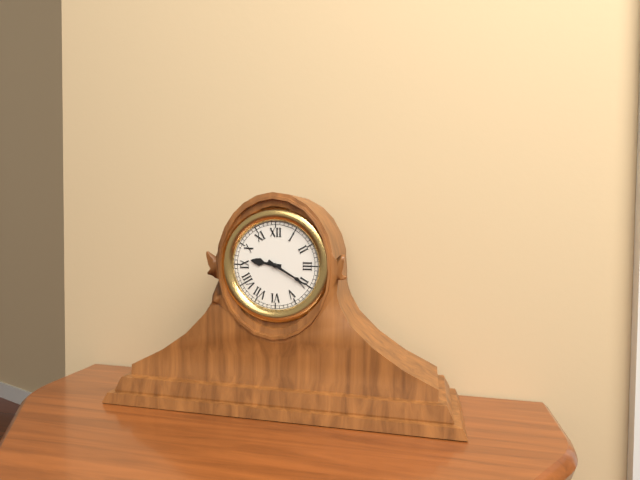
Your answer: **9:20**
